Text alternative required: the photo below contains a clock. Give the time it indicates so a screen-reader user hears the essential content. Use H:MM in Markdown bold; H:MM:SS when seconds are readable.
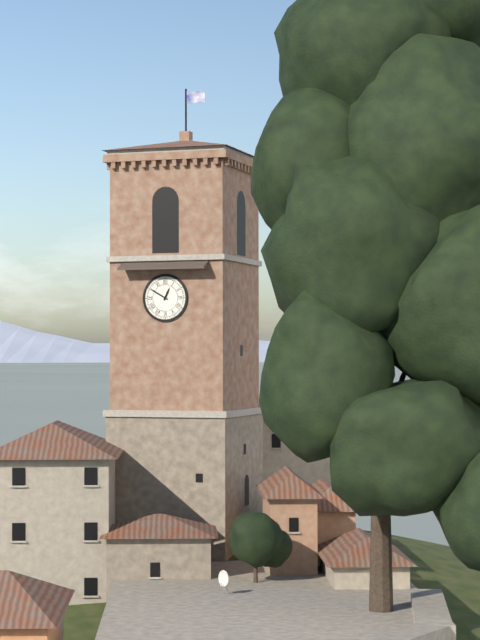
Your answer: **12:50**
